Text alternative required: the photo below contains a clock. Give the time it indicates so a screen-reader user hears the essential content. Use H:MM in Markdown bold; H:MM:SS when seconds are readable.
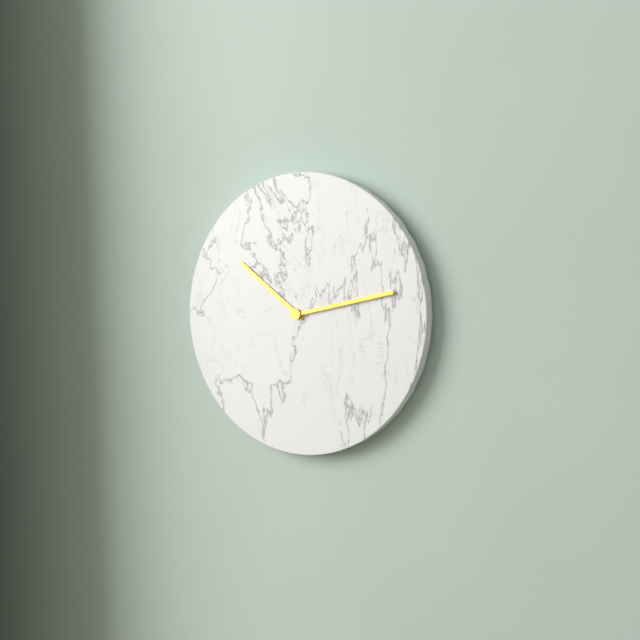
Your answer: **10:13**
